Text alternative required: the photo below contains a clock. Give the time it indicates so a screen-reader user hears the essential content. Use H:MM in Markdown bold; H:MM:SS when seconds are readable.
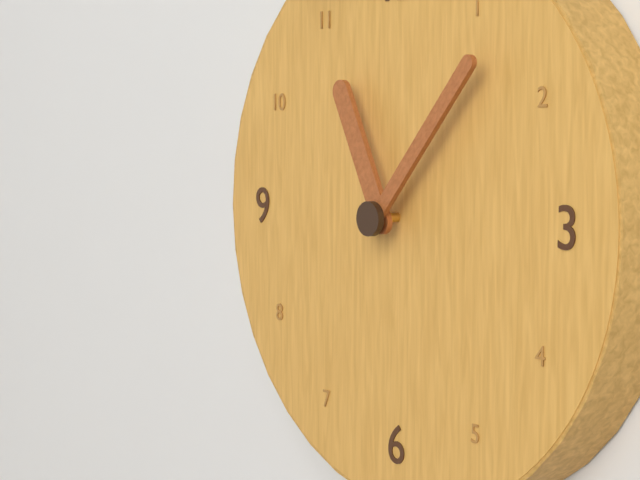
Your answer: **11:07**
